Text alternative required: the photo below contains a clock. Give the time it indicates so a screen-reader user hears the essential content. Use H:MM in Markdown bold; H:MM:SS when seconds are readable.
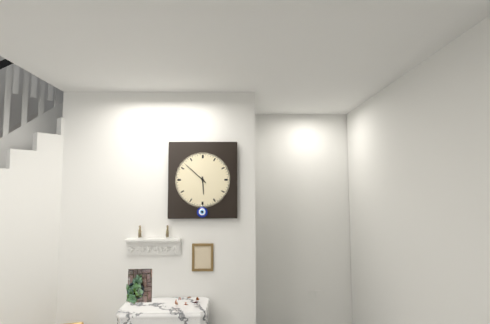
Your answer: **5:52**
